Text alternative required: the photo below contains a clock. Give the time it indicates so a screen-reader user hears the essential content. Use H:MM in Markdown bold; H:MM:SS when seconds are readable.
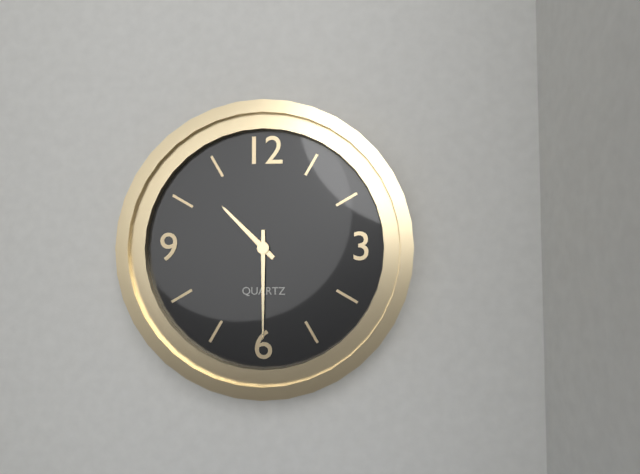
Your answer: **10:30**
